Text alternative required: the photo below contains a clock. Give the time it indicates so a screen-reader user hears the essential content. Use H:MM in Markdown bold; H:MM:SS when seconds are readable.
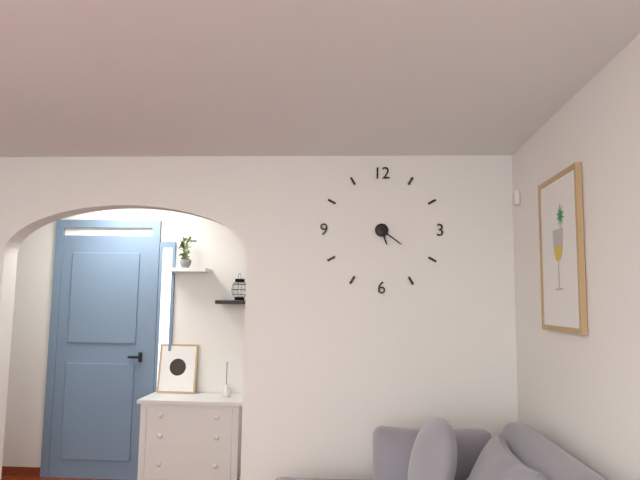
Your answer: **5:21**
